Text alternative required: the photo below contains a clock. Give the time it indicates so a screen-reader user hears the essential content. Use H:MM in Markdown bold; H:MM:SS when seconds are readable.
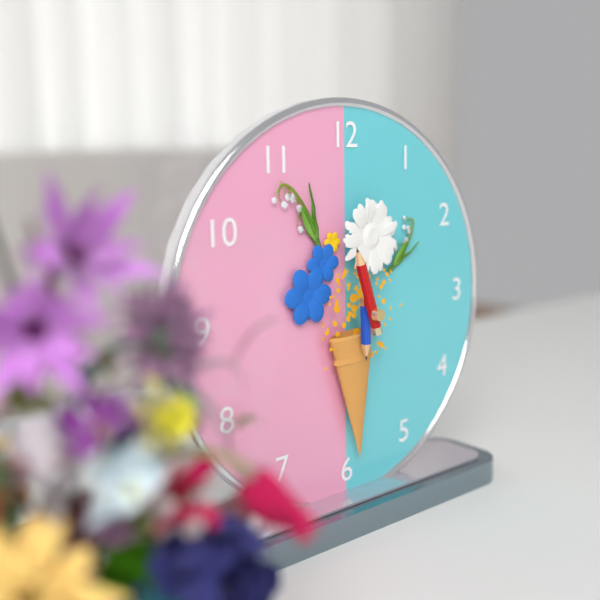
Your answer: **5:57**
